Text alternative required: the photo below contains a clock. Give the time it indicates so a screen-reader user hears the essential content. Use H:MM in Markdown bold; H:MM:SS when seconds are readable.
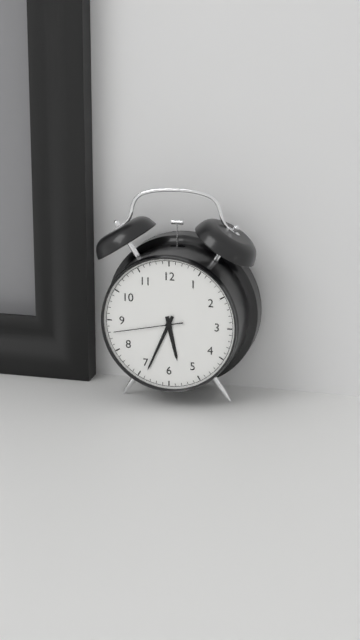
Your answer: **5:34:43**
